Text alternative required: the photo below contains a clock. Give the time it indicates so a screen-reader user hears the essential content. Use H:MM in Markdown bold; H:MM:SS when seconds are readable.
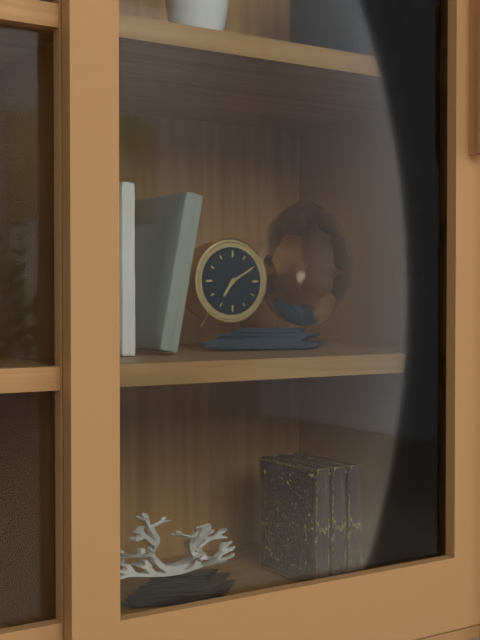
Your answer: **7:10**
